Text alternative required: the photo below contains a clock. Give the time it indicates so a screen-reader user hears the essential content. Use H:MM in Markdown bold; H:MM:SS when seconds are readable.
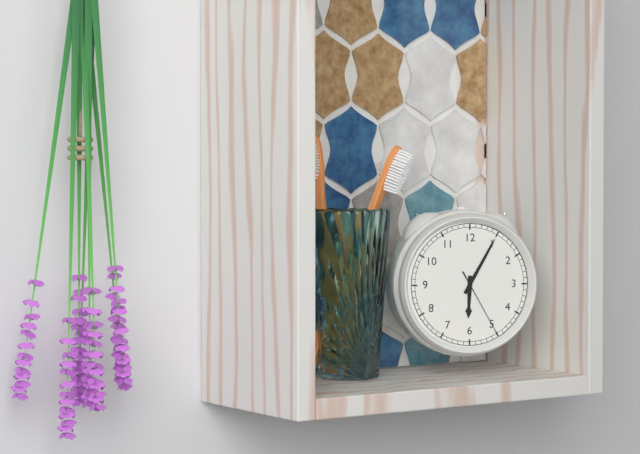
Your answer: **6:05:25**
